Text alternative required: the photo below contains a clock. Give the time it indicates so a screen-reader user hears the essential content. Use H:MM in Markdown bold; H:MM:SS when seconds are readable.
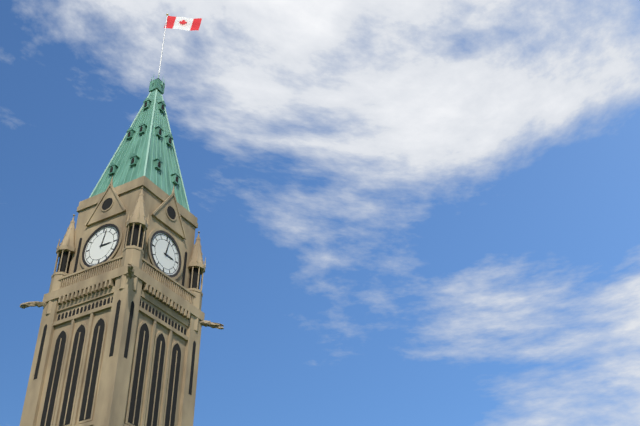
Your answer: **3:02**
